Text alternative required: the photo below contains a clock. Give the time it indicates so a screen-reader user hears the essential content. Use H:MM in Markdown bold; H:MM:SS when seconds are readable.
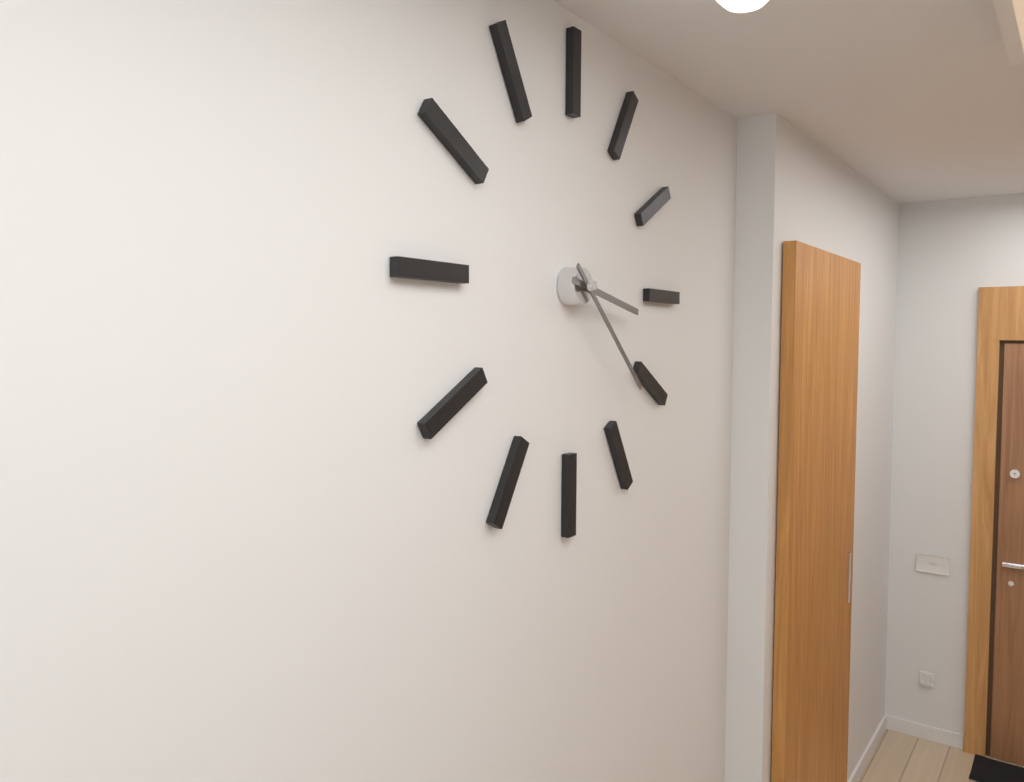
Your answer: **3:22**
